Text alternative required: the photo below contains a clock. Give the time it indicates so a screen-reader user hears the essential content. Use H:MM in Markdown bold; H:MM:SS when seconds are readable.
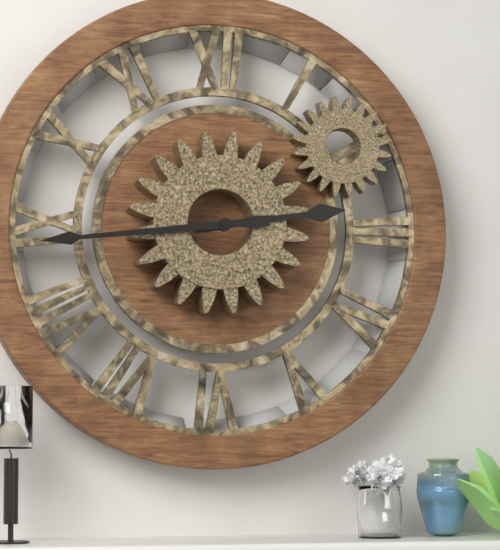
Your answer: **2:44**
